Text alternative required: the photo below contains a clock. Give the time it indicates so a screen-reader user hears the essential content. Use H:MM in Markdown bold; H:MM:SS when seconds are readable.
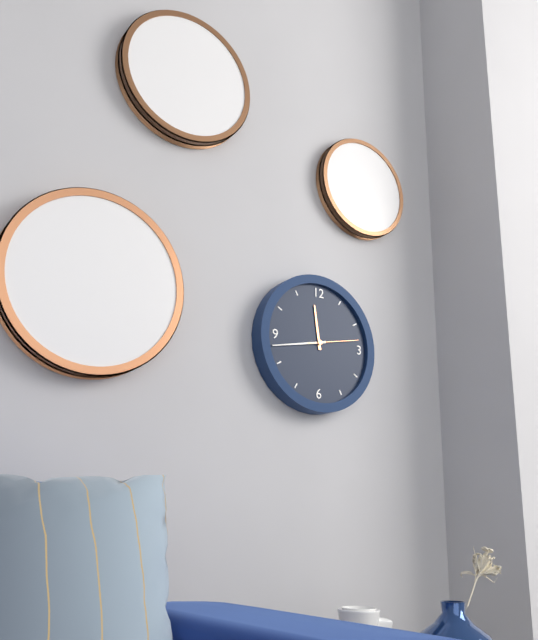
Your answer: **11:43**
